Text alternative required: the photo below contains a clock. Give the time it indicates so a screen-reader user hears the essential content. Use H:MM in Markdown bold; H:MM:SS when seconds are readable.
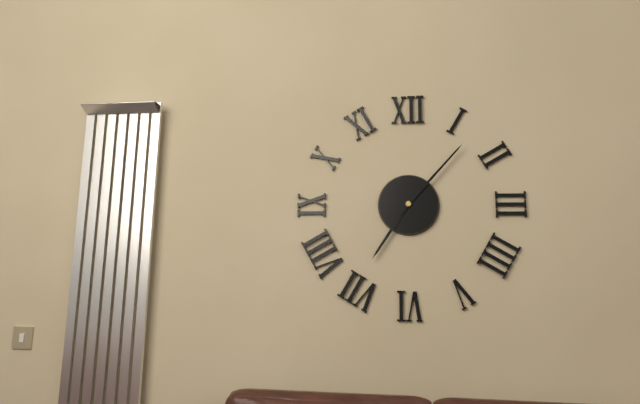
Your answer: **7:07**
